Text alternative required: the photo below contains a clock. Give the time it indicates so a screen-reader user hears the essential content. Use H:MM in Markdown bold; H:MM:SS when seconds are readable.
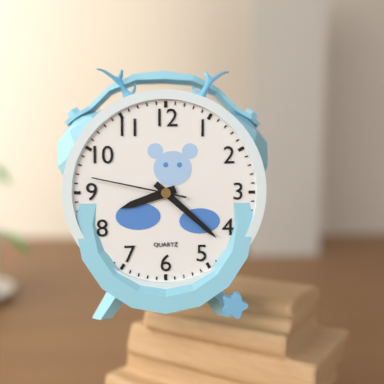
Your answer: **8:22:47**
